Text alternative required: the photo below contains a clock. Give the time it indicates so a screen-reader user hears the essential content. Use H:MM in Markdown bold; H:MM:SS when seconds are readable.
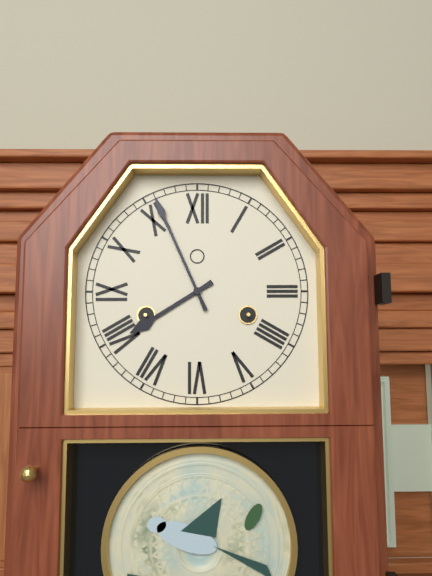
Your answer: **7:56**
